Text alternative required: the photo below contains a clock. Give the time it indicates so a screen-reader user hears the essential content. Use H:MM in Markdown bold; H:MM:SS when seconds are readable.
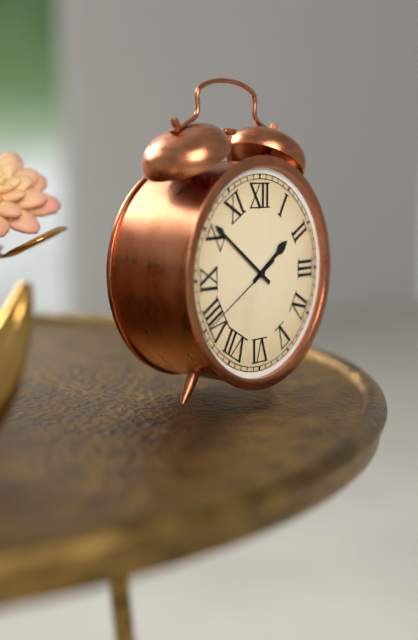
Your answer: **1:51:40**
